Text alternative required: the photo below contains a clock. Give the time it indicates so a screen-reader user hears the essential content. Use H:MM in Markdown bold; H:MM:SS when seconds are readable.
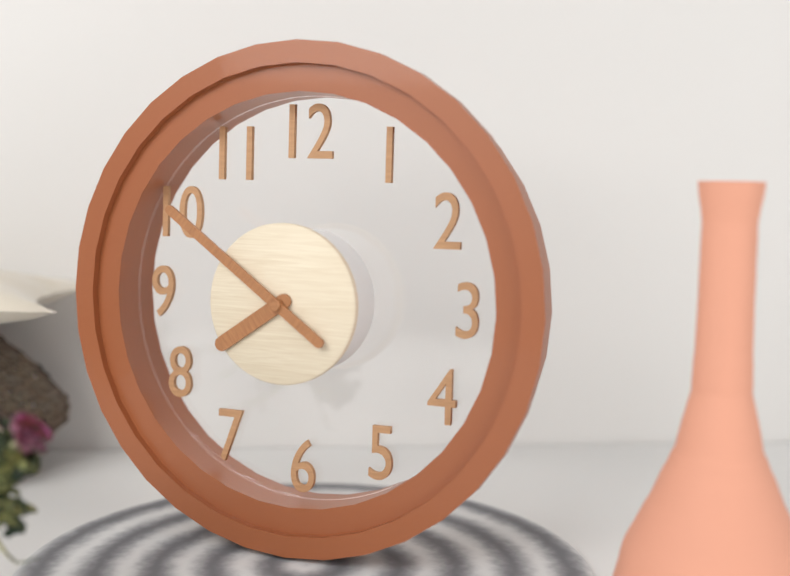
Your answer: **7:51**
